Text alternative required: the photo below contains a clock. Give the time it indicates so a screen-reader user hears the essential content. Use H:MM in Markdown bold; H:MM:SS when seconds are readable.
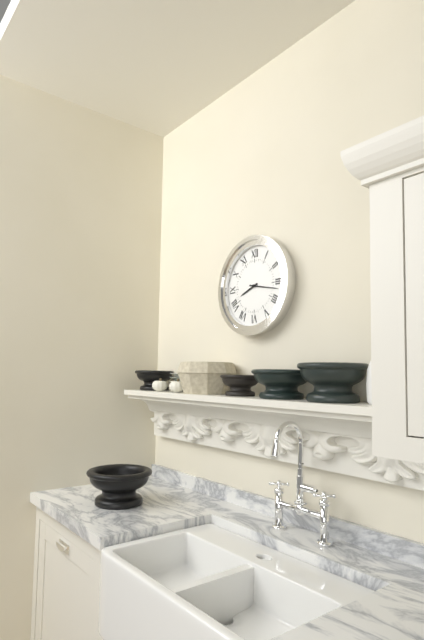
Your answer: **8:17**
